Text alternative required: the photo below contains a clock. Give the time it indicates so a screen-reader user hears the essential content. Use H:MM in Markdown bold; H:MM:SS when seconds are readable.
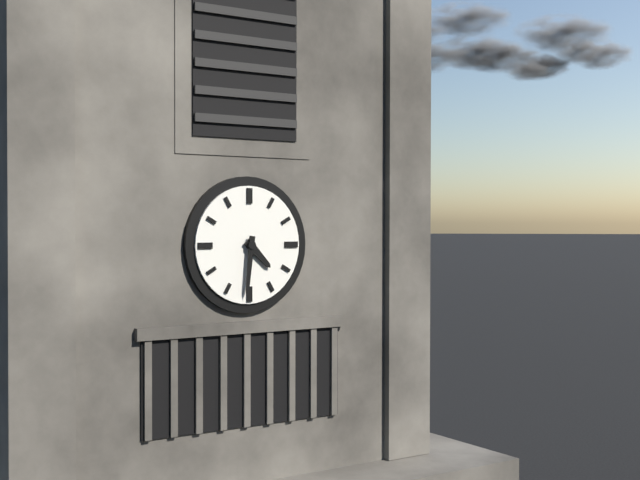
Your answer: **4:31**
